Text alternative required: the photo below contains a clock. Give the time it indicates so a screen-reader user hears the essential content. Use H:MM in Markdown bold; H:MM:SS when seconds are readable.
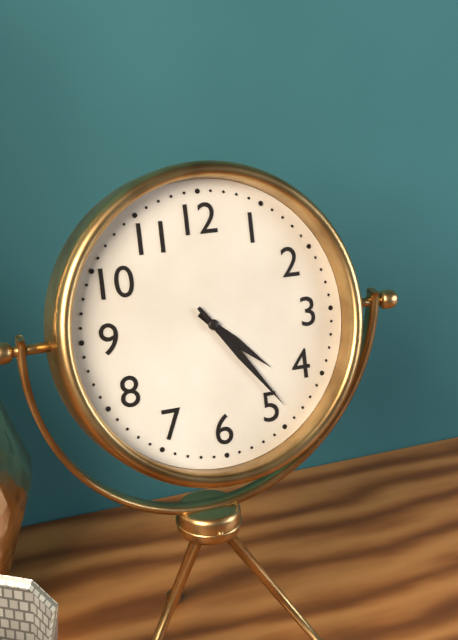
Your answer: **4:24**
